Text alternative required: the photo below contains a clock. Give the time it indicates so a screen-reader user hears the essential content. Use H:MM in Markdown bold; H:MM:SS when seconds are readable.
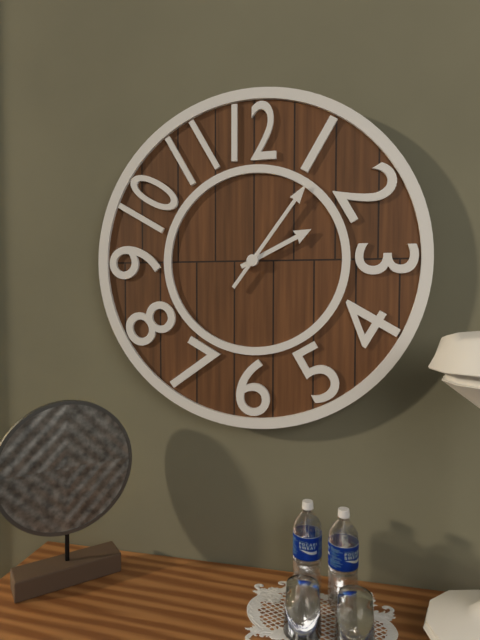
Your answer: **2:06**
